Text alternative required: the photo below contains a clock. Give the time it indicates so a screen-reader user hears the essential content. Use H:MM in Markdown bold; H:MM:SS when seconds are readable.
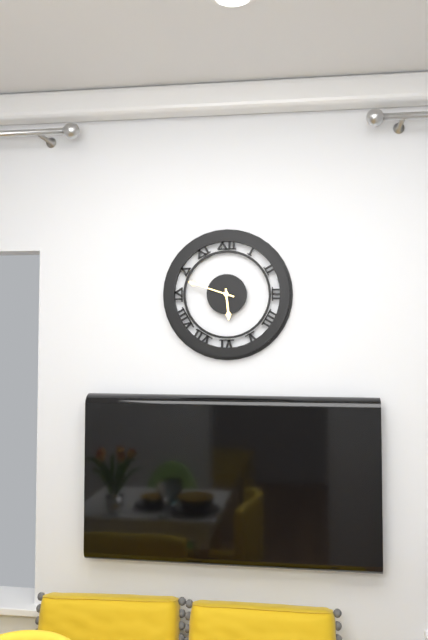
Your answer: **5:48**
